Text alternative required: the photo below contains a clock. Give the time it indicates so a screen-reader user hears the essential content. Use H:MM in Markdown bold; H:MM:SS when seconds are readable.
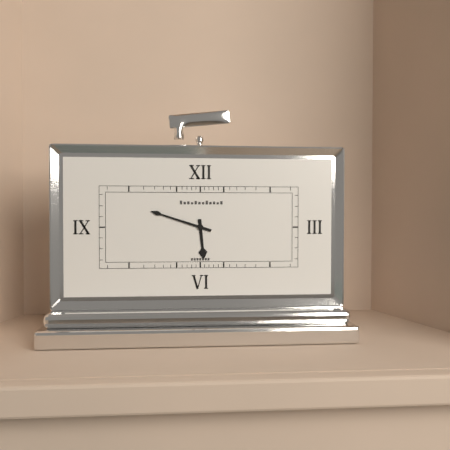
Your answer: **5:48**
